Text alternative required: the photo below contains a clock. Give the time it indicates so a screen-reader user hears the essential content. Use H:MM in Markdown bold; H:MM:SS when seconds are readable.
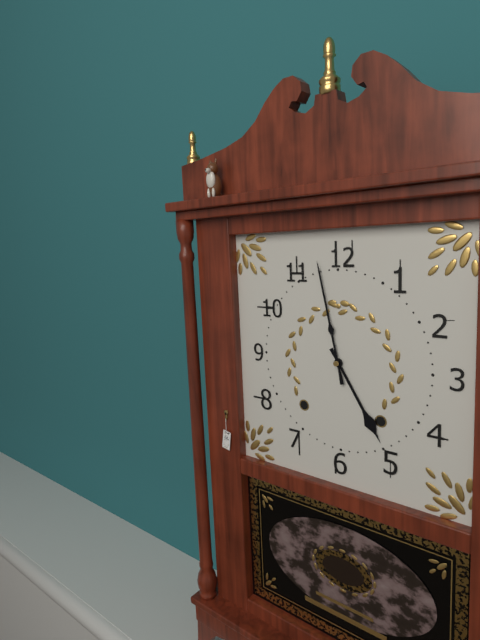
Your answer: **4:58**
